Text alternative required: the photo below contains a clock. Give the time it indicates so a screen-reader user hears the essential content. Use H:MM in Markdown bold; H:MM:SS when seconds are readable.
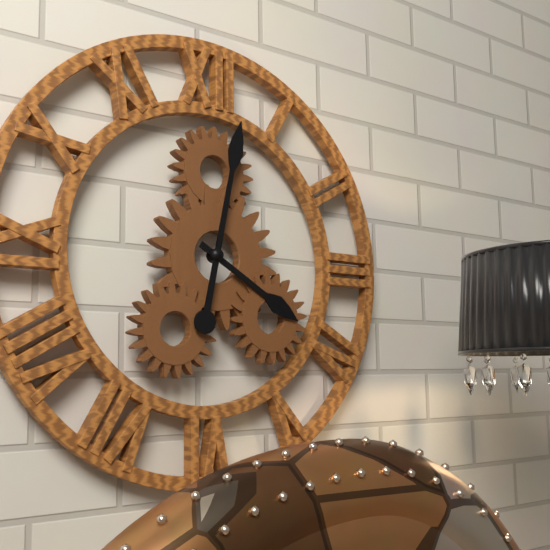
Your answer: **4:02**
